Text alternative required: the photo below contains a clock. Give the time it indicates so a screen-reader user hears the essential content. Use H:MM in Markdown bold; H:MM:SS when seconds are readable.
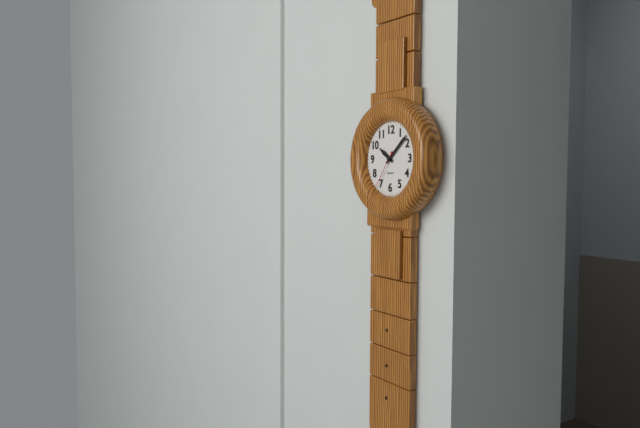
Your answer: **10:08:36**
